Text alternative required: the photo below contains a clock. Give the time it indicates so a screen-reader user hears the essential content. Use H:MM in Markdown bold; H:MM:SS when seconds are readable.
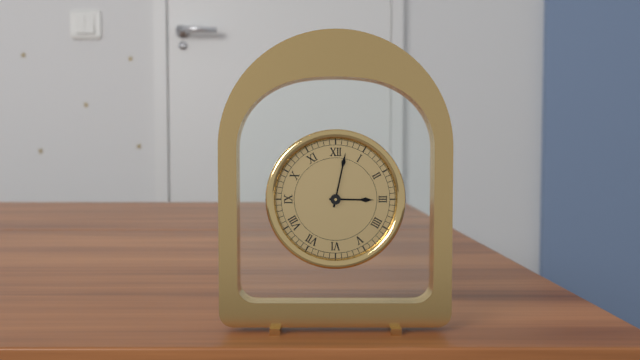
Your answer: **3:02**
